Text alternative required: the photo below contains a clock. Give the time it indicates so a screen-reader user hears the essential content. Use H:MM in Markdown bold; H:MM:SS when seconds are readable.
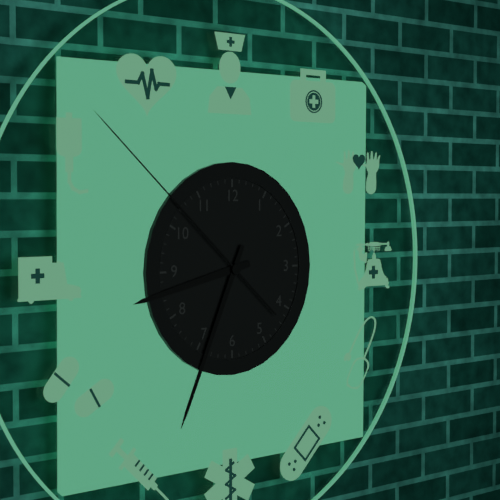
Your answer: **8:34:52**
